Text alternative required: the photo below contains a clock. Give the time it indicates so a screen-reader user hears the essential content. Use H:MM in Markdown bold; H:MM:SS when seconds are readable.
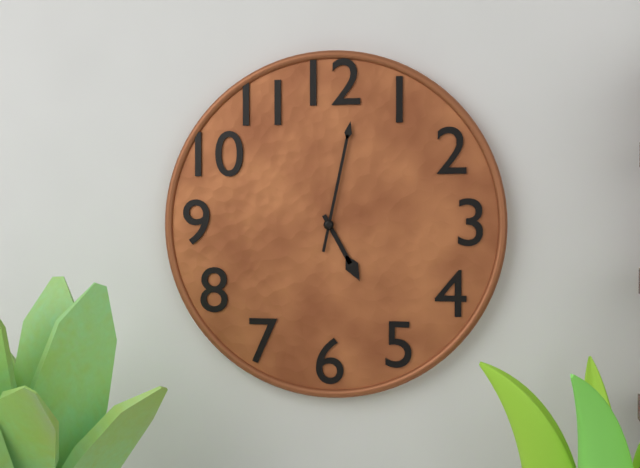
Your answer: **5:02**
